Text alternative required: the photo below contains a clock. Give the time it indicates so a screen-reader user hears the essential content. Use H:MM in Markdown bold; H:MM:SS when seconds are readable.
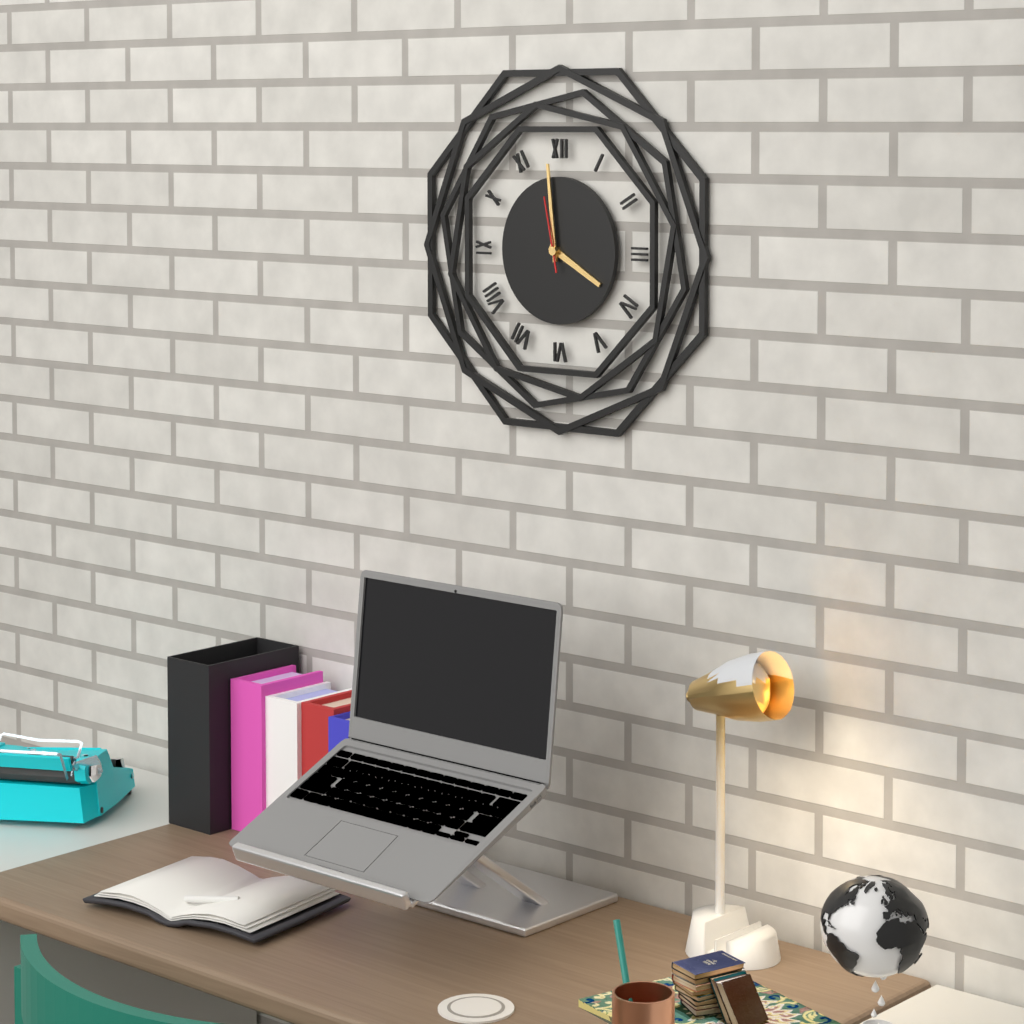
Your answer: **3:59:58**
